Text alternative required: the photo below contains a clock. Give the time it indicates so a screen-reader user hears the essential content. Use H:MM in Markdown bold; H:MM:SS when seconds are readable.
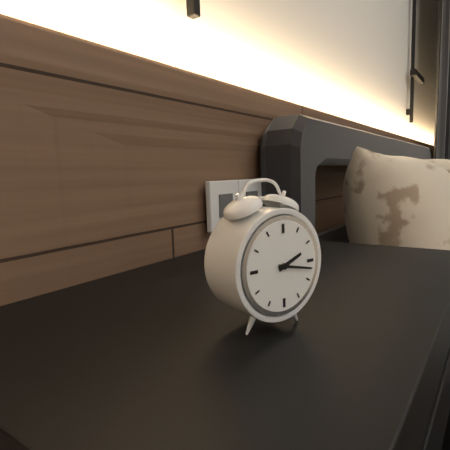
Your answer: **2:17**
